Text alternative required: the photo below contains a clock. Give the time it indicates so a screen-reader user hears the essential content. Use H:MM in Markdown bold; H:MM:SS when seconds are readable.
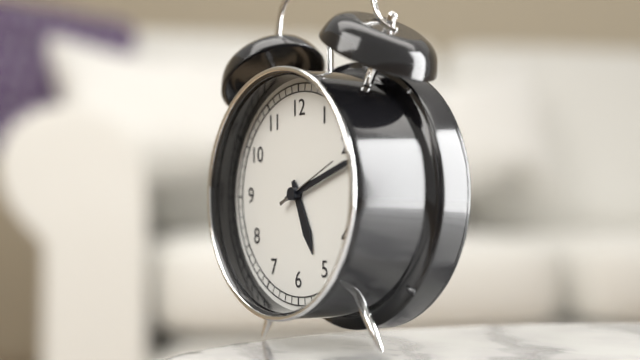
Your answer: **5:12:11**
